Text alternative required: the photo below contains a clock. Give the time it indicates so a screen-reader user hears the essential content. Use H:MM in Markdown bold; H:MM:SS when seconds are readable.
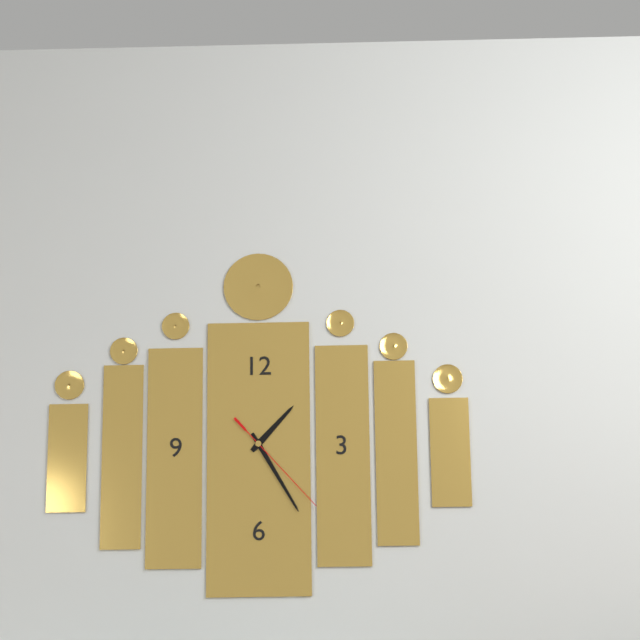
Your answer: **1:25:23**
